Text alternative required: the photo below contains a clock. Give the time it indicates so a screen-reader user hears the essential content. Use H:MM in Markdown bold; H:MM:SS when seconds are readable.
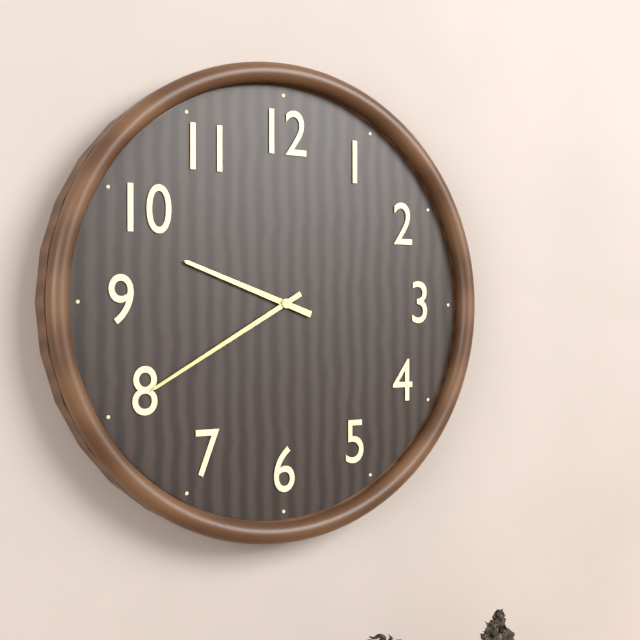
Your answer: **9:40**
